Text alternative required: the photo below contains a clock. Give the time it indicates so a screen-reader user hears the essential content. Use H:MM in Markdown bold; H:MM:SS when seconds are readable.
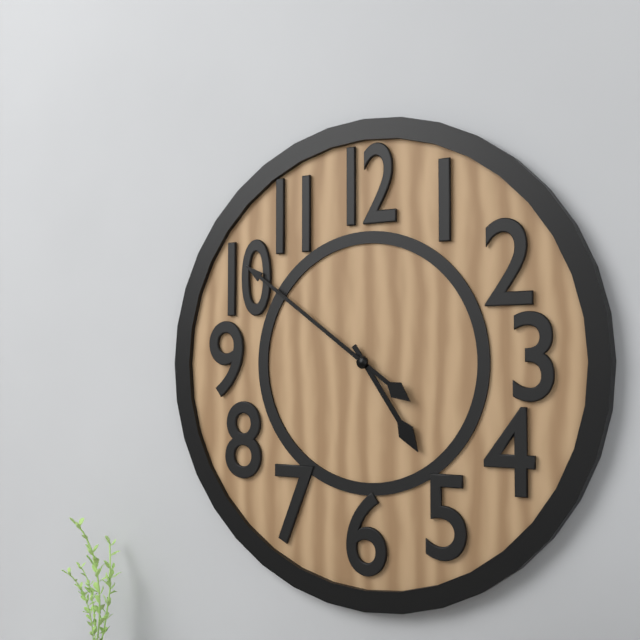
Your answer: **4:51**
